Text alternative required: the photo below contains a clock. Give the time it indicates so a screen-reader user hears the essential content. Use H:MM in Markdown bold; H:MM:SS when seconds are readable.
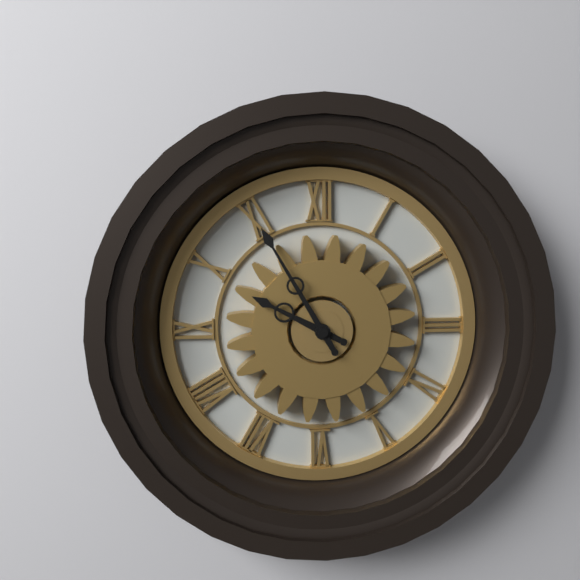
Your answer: **9:55**
